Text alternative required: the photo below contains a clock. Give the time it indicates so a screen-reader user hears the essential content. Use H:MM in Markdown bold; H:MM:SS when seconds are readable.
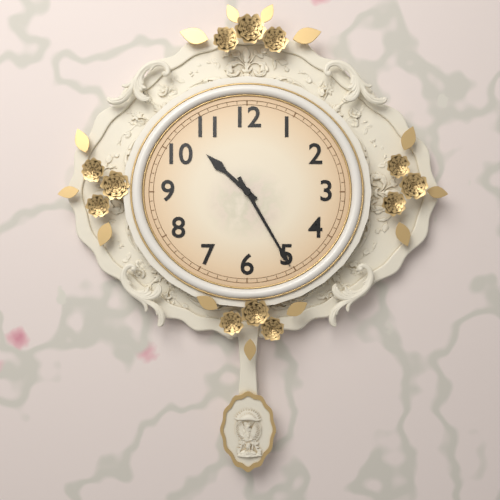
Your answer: **10:25**
